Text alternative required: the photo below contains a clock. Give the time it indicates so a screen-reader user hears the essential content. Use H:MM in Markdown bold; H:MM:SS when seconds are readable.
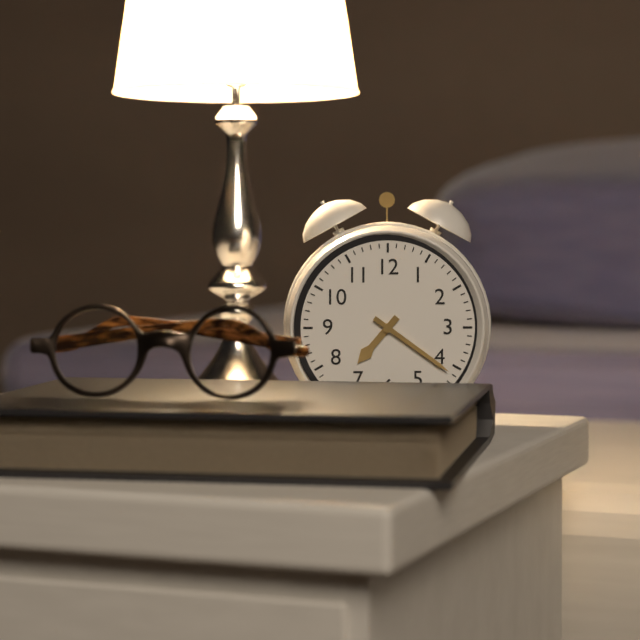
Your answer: **7:21**
